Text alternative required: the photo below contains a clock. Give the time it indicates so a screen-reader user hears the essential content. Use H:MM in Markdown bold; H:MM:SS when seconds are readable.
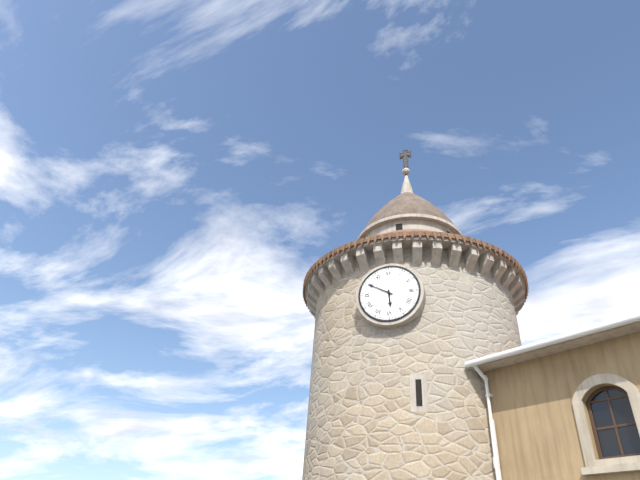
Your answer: **5:50**
